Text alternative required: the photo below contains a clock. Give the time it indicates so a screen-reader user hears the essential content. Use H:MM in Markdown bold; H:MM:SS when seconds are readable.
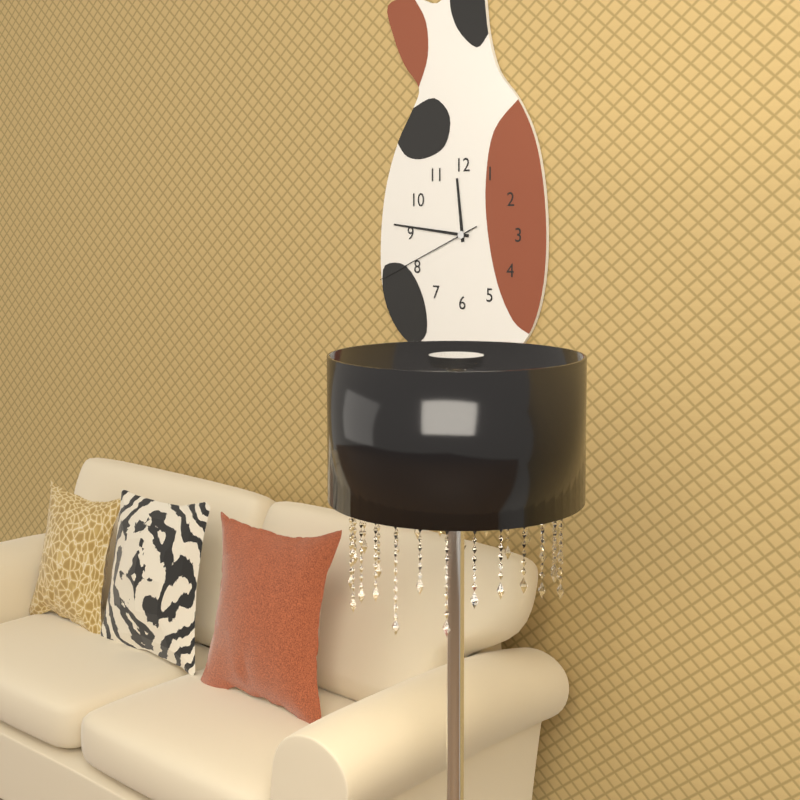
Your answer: **11:46:41**
